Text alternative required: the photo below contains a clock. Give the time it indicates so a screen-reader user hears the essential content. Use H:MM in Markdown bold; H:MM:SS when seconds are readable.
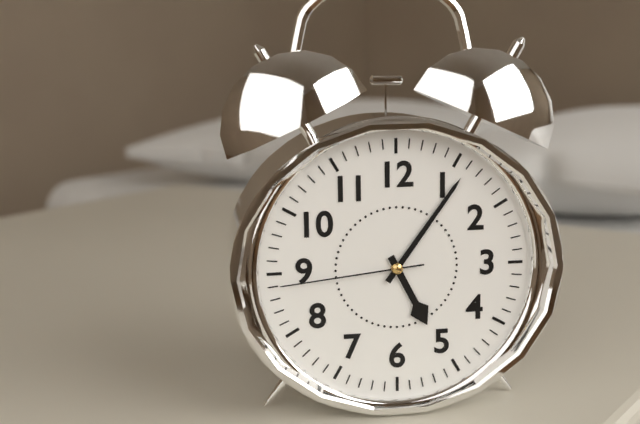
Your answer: **5:06:44**
